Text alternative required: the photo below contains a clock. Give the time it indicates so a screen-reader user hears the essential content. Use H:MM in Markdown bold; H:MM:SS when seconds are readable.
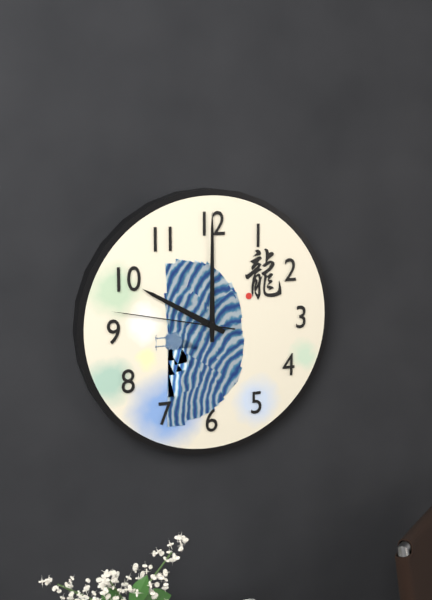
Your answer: **10:00:47**
